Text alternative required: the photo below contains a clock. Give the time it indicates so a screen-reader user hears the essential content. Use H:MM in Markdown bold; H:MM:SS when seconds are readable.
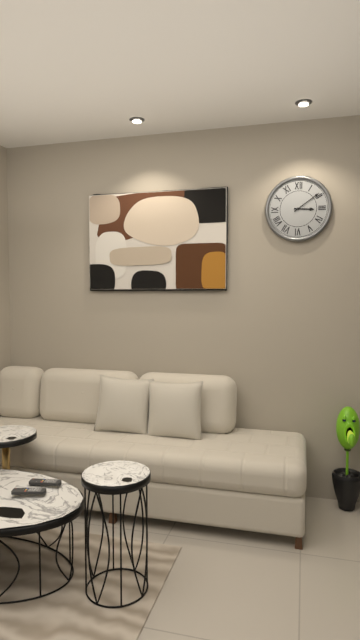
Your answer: **3:09**
